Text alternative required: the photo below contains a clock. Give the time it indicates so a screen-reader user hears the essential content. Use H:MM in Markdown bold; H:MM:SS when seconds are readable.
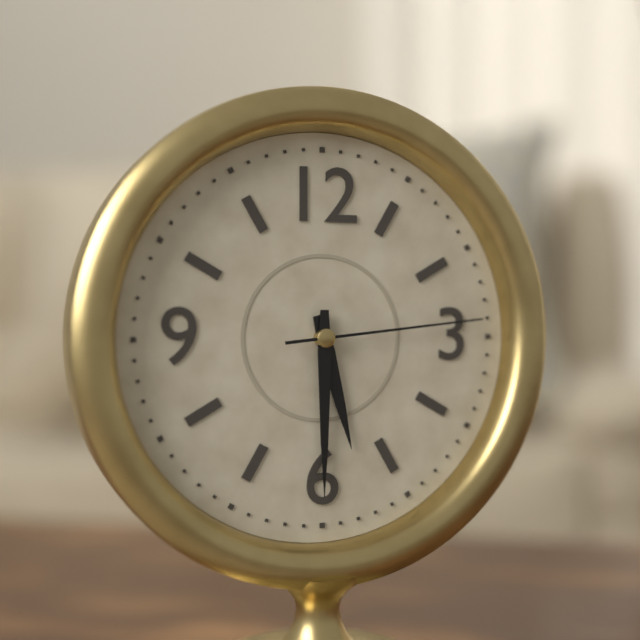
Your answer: **5:30:14**
